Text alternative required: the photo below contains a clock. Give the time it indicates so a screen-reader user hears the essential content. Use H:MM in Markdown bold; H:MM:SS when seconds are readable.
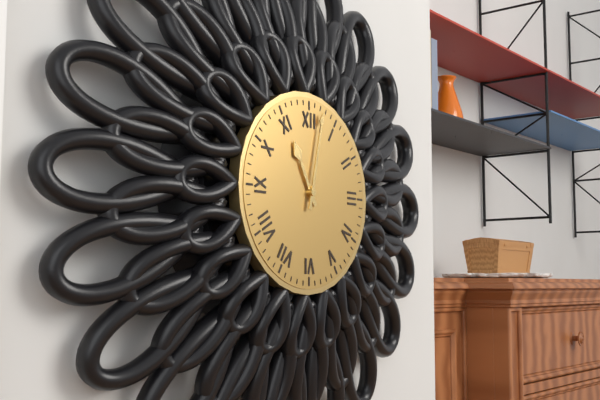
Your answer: **11:02**
